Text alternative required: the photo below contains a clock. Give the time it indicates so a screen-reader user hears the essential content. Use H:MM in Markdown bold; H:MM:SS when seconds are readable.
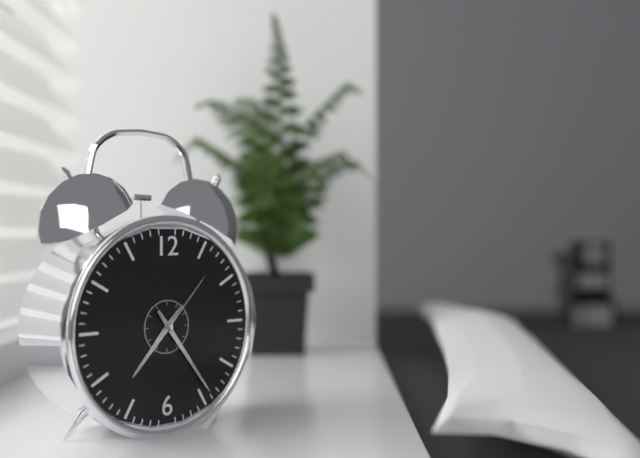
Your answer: **7:24:07**
